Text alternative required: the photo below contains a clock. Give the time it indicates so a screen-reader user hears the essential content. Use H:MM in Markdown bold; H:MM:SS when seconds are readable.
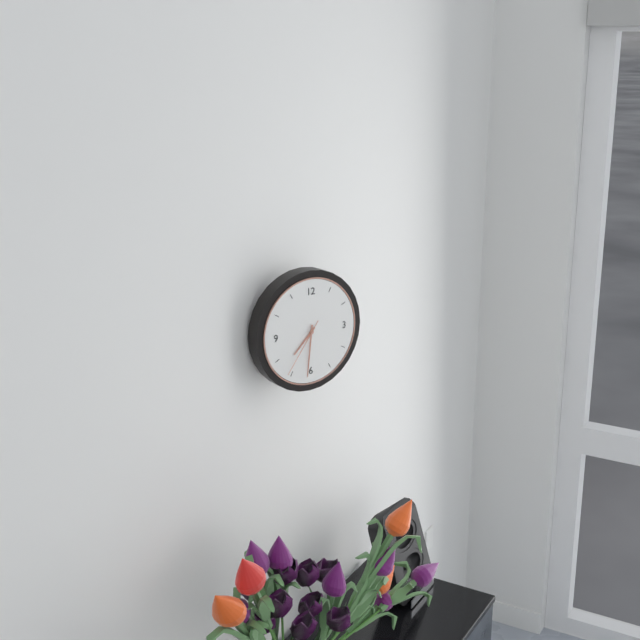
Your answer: **7:31:36**
